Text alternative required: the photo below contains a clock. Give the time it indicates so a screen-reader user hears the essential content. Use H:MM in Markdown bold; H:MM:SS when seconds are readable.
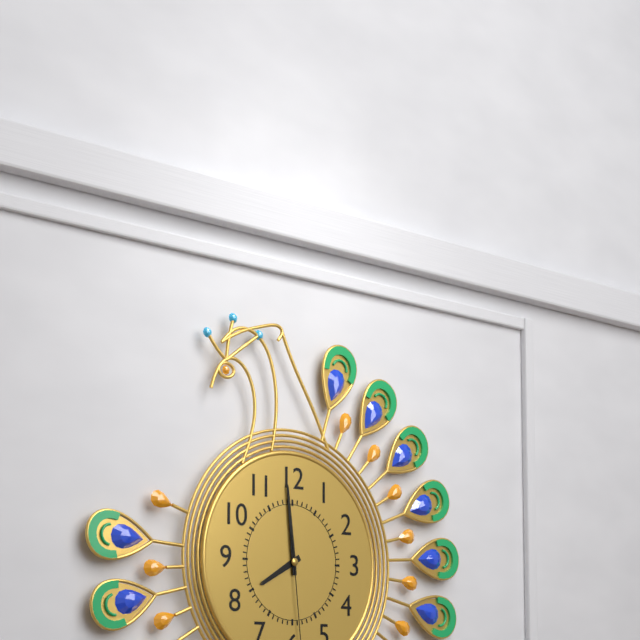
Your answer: **7:59**
